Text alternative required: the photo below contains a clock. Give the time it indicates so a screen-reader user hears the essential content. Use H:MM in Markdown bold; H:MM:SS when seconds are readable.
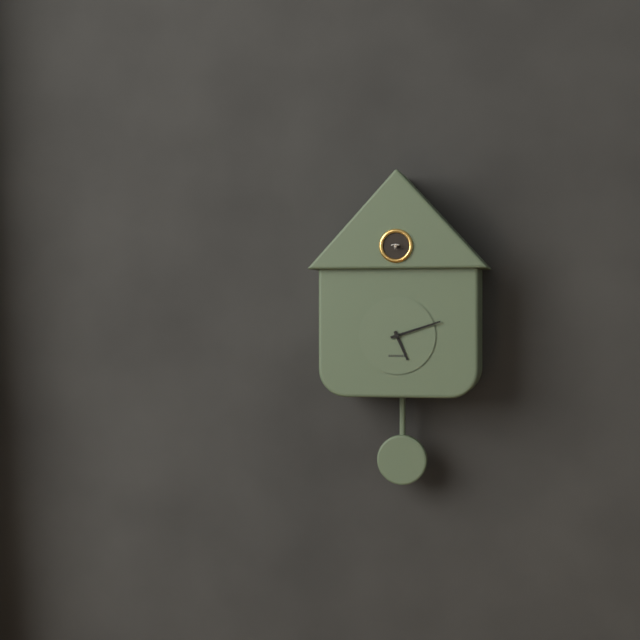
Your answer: **5:12**
